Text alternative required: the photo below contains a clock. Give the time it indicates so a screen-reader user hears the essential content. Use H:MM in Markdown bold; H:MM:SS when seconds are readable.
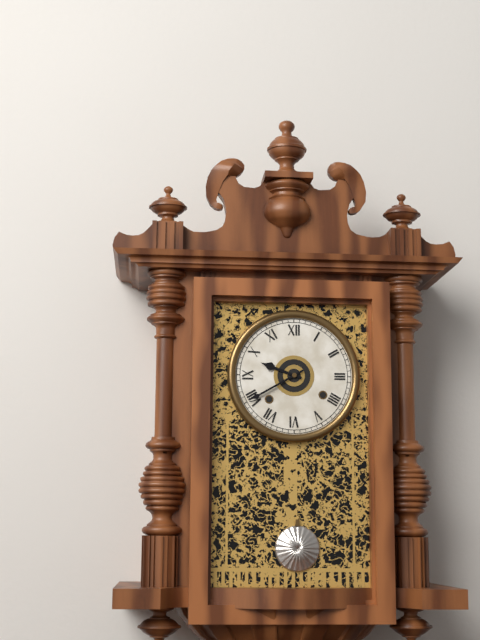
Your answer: **9:40**
